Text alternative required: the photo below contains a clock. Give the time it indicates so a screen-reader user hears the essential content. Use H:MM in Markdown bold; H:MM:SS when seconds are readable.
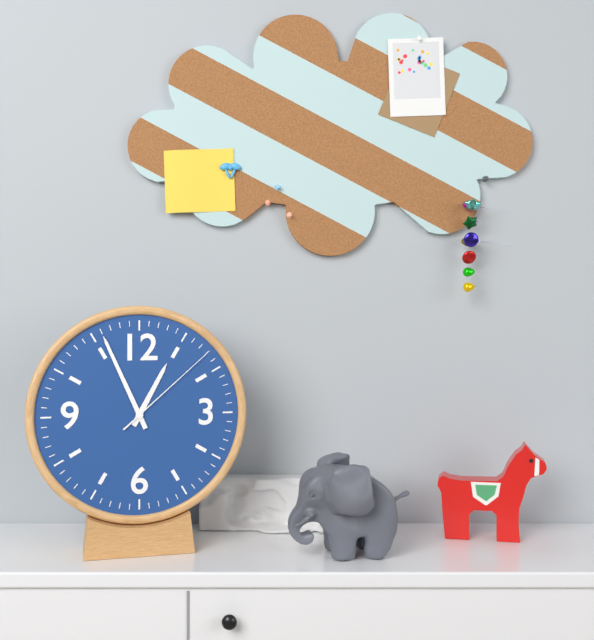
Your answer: **12:56:08**
